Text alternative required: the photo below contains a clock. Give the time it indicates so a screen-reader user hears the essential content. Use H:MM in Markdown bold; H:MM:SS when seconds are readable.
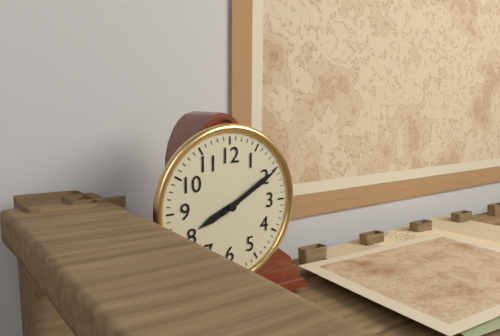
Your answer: **8:10**
